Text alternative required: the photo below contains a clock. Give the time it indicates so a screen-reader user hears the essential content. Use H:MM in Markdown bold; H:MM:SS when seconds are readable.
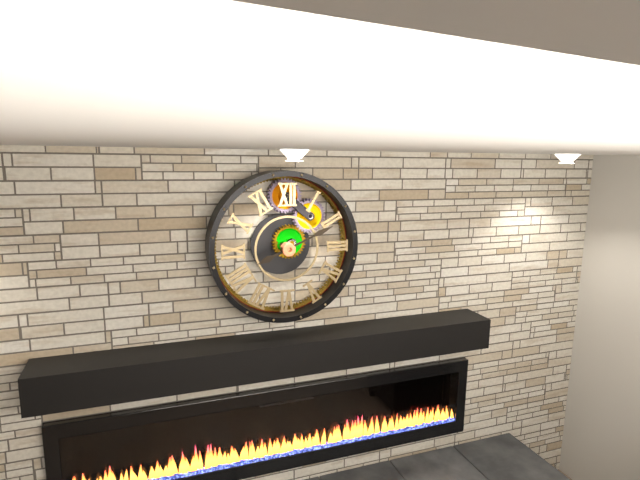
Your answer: **8:11**
